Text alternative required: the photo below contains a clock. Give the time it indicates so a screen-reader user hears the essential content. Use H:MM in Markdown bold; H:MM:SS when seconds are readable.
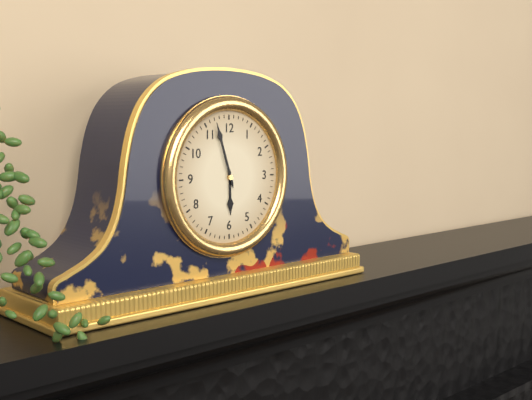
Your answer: **5:57**
